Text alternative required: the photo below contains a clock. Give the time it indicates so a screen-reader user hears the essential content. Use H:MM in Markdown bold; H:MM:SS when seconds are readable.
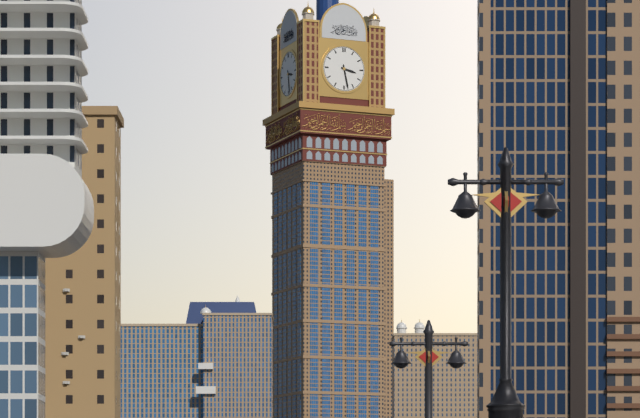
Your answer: **3:28**
